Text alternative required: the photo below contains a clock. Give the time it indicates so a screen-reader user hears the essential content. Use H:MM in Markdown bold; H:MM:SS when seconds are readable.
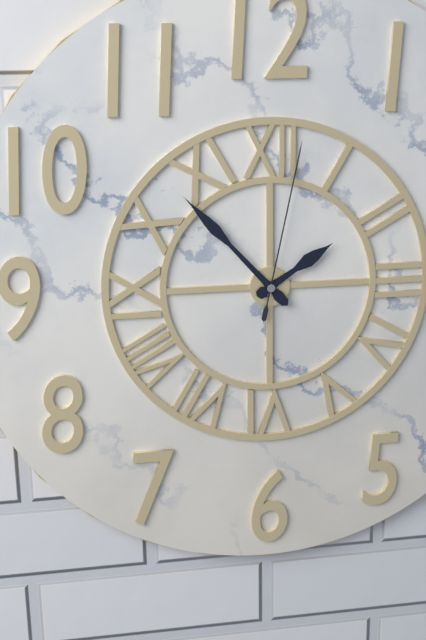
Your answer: **1:53:02**
